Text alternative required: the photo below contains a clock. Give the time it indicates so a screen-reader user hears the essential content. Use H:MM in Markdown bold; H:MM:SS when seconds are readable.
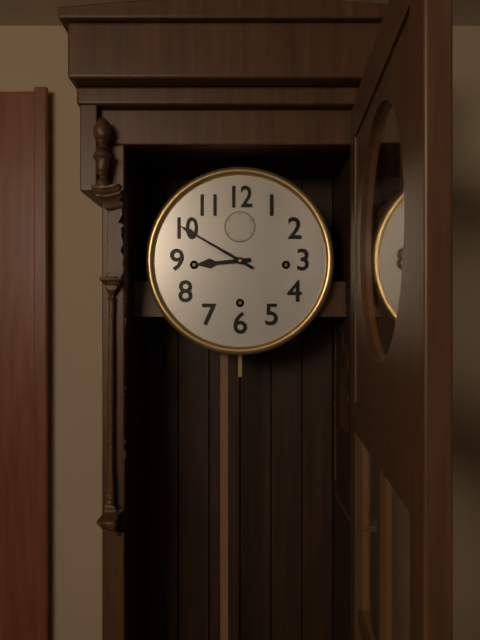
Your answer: **8:50**
